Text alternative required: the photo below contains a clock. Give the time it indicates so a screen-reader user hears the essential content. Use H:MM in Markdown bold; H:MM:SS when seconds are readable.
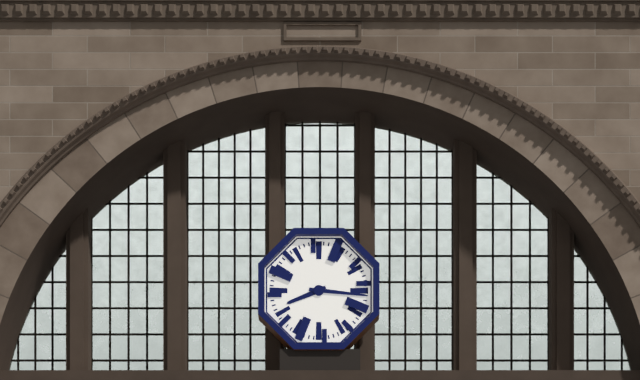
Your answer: **8:16**
